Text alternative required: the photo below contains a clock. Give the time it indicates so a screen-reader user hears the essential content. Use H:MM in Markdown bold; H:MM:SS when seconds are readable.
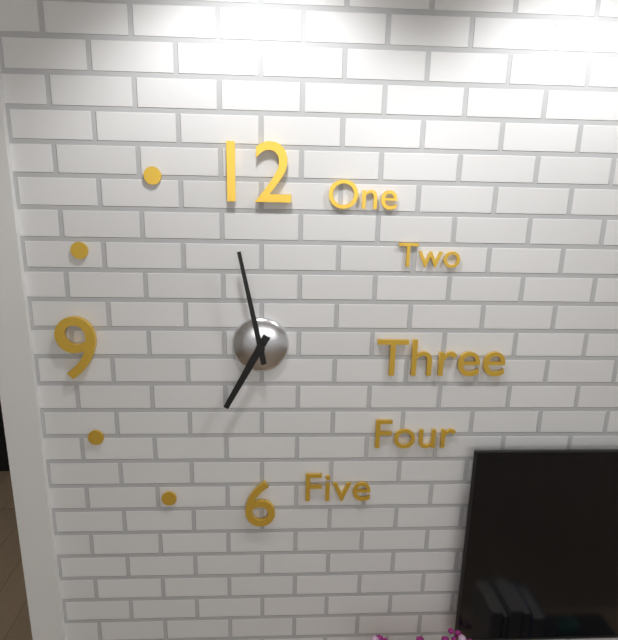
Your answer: **6:58**
